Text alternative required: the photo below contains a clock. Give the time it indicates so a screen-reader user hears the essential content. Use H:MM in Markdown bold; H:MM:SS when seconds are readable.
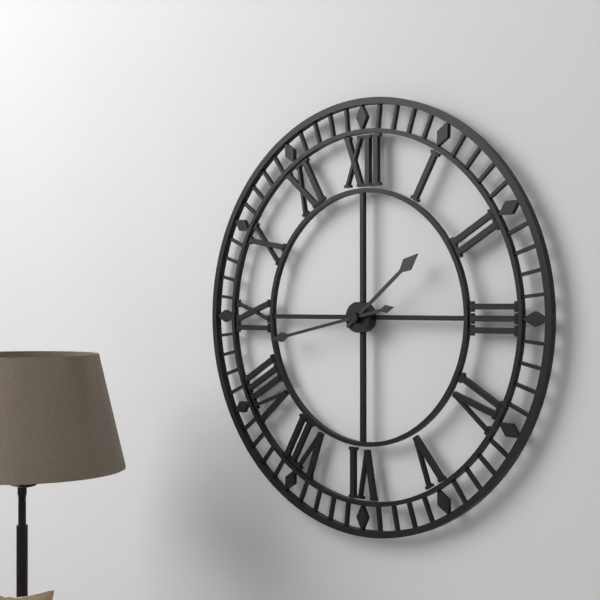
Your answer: **1:43**
